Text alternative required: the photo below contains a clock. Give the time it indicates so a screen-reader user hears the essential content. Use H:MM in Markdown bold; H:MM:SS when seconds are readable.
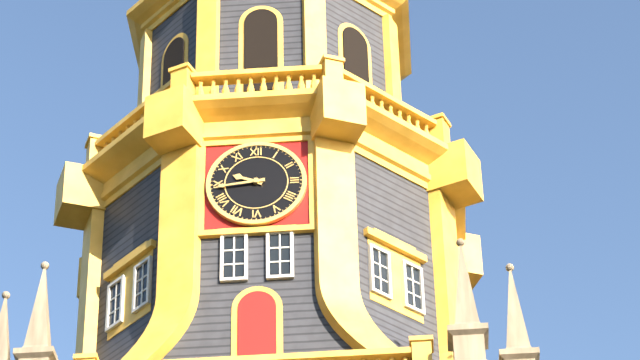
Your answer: **9:44**
